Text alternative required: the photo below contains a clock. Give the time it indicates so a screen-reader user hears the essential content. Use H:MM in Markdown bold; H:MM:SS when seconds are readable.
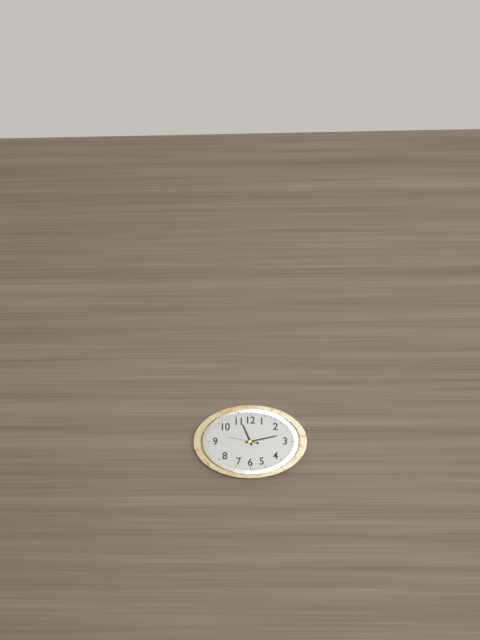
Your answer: **11:13**
